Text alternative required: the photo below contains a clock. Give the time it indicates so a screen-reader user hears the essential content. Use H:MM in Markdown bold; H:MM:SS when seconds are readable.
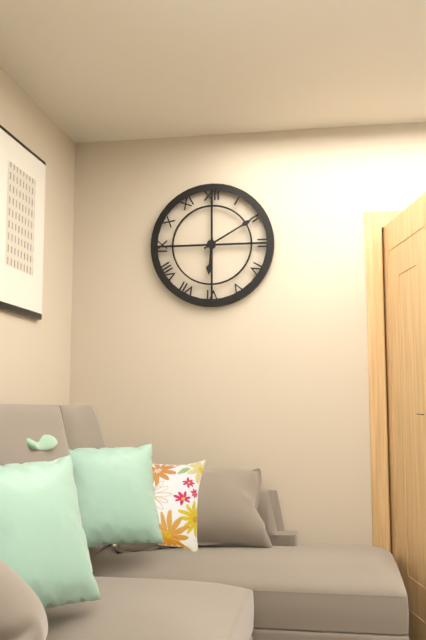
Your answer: **6:10**
